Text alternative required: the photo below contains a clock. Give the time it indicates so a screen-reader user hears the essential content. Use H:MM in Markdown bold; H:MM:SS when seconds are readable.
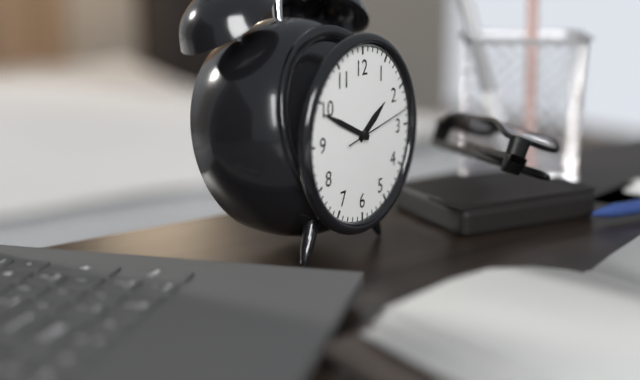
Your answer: **1:49:13**
